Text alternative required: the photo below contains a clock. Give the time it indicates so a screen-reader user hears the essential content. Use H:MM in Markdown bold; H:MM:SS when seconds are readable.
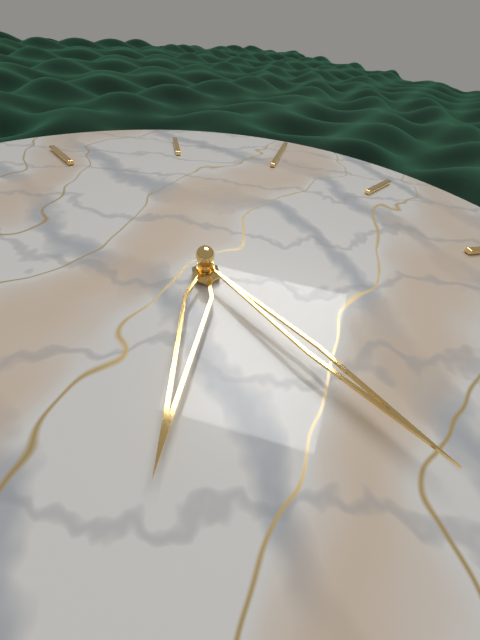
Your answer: **8:35**
